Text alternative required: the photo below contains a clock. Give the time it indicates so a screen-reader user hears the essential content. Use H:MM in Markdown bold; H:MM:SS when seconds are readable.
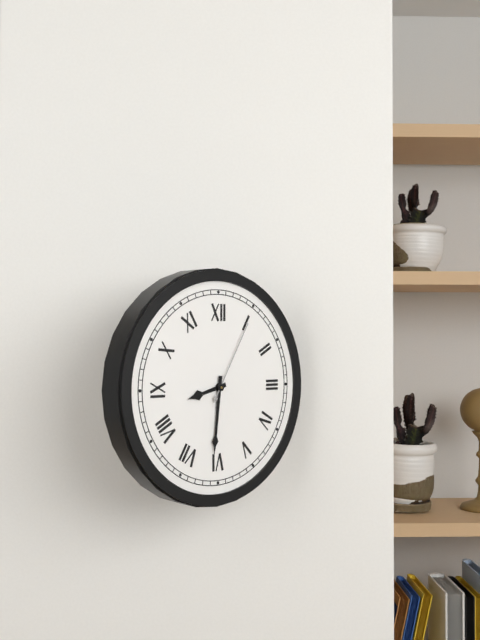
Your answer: **8:31:05**
